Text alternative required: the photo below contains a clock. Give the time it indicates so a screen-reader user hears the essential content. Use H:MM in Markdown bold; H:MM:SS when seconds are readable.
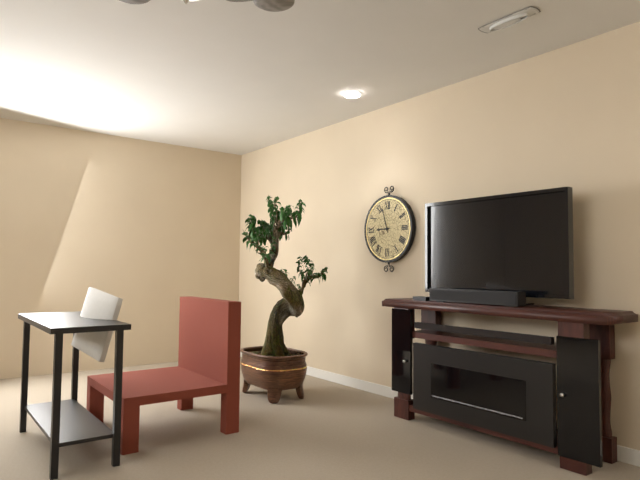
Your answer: **8:57**
